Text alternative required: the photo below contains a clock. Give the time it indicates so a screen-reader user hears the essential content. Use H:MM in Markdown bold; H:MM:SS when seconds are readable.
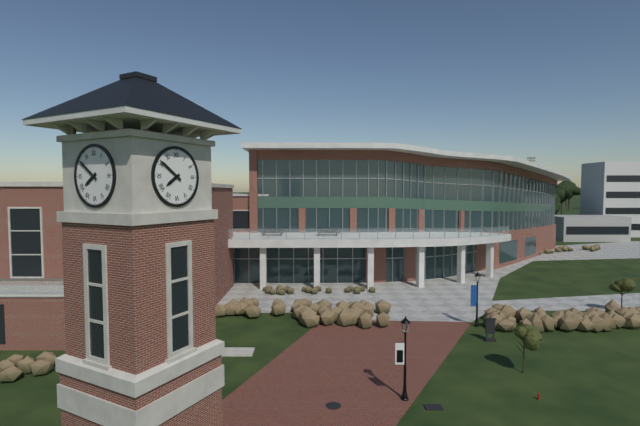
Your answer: **7:51**
